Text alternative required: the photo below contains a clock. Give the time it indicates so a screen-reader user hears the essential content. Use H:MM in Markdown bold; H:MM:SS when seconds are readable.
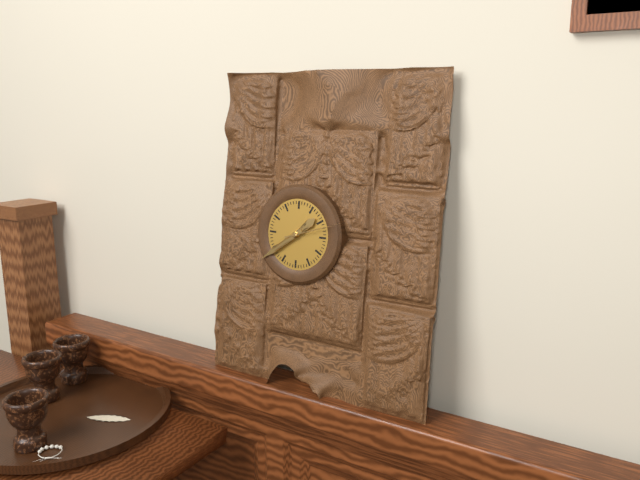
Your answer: **1:39:12**
